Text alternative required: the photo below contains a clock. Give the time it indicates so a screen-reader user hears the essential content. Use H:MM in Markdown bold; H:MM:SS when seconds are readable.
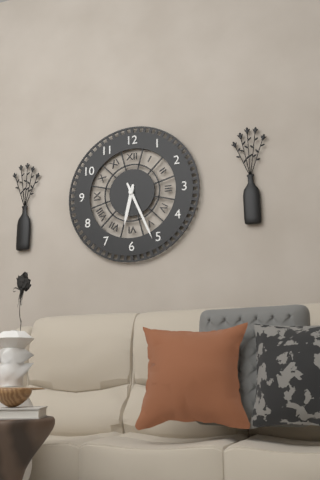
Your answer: **6:26**
